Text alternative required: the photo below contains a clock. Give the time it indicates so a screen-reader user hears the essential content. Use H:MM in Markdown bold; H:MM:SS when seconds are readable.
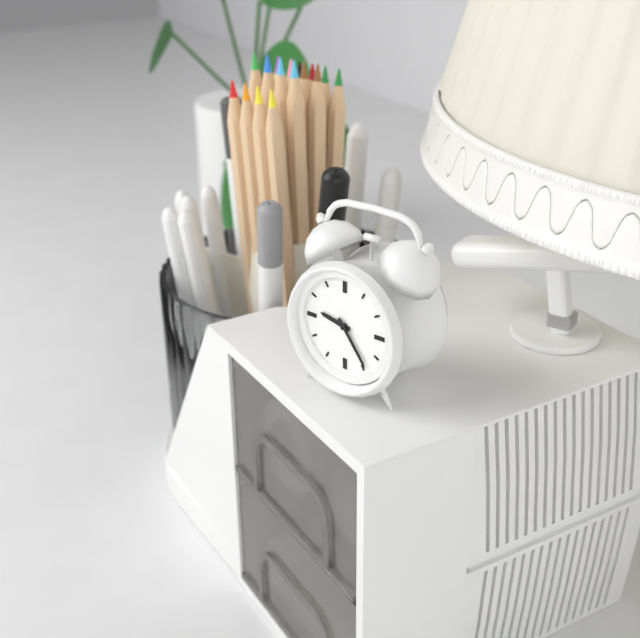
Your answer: **9:24**
